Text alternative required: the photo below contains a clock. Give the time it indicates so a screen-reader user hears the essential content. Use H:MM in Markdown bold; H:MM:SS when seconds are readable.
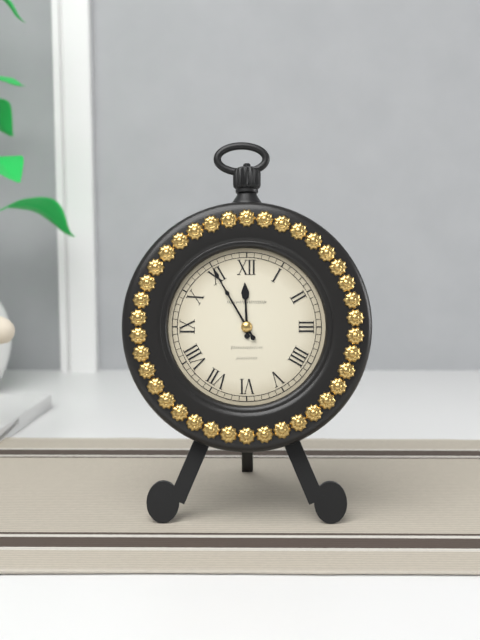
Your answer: **11:55**
